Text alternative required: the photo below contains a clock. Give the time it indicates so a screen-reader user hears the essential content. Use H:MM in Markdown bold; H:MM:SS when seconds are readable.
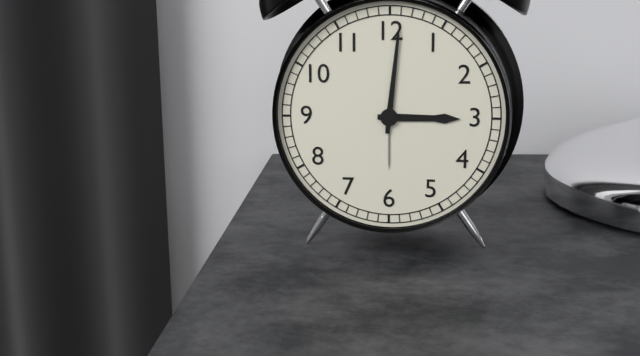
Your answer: **3:01**
